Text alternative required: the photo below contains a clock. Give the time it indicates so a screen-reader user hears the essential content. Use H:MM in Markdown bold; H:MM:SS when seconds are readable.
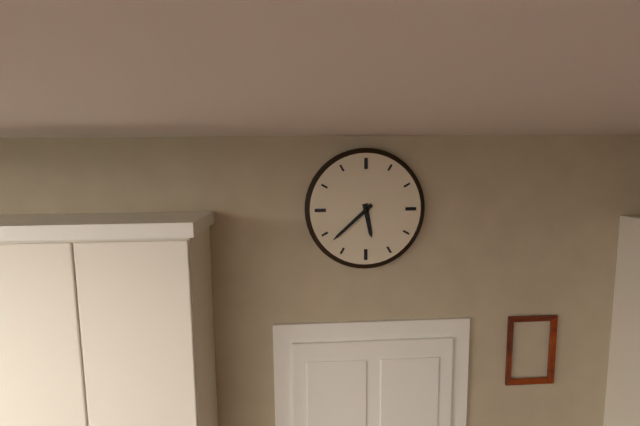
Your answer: **5:38**
